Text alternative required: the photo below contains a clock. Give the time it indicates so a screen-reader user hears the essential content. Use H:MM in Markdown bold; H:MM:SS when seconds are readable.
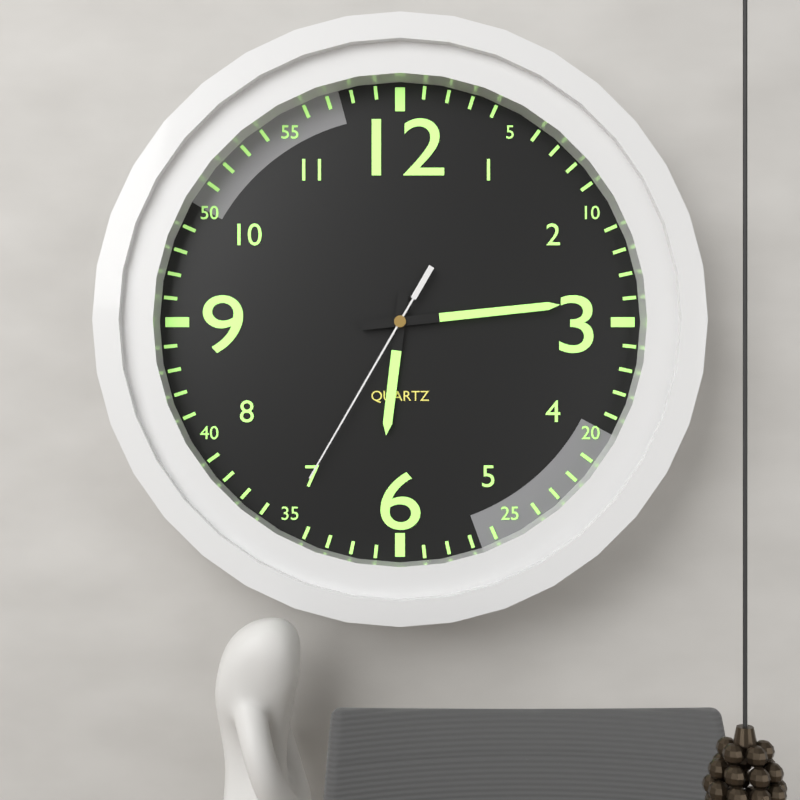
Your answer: **6:14:35**
